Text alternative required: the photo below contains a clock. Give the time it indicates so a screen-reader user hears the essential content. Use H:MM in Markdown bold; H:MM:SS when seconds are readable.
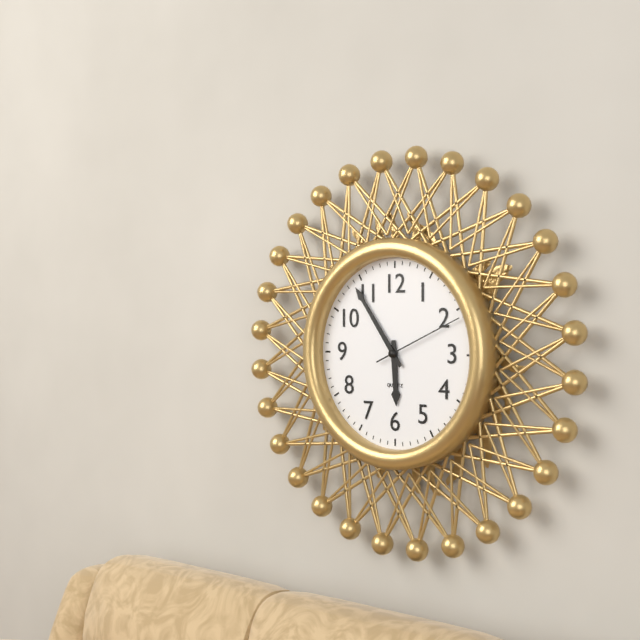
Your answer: **5:54:11**
